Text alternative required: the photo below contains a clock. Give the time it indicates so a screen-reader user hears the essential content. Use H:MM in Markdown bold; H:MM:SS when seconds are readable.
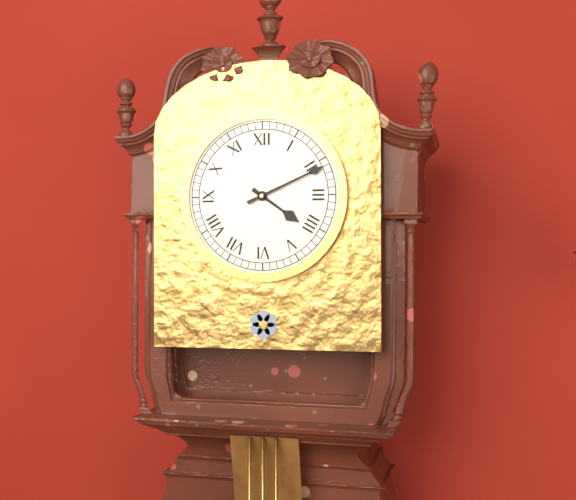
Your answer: **4:11**
